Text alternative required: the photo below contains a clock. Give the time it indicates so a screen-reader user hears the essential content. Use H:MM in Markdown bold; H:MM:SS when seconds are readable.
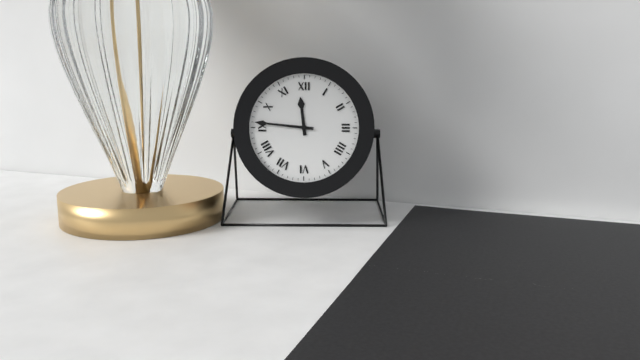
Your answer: **11:46**
